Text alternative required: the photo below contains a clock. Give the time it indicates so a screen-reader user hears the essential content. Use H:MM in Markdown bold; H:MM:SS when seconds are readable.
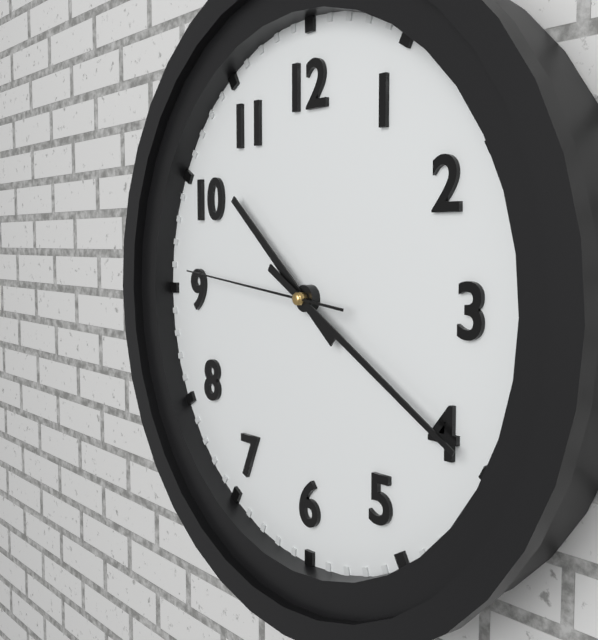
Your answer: **10:20:46**
